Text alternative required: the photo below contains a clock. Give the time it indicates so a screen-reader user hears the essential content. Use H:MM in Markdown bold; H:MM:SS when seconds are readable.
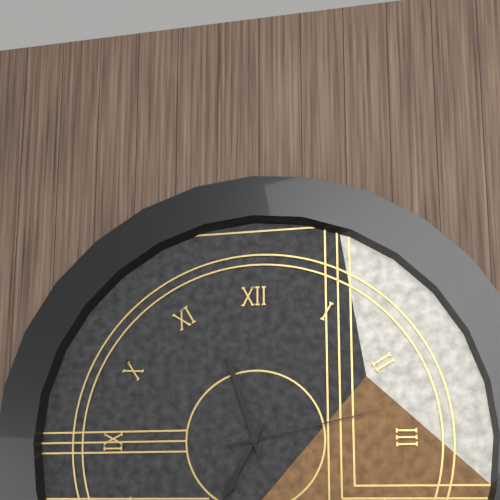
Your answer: **6:57:13**
